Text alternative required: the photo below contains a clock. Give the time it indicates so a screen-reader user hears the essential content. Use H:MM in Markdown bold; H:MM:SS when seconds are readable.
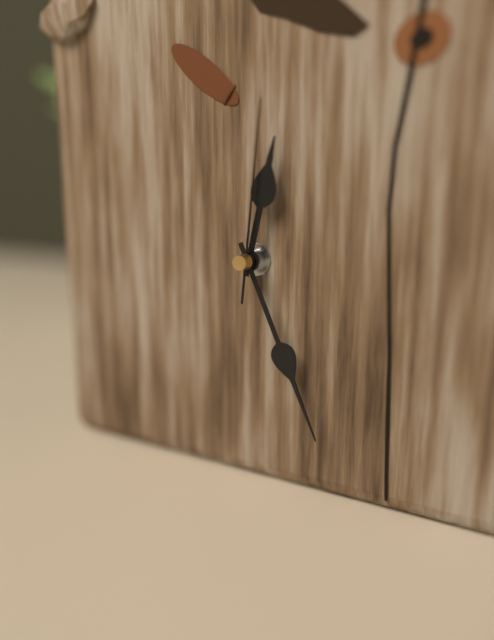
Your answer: **12:26:01**
